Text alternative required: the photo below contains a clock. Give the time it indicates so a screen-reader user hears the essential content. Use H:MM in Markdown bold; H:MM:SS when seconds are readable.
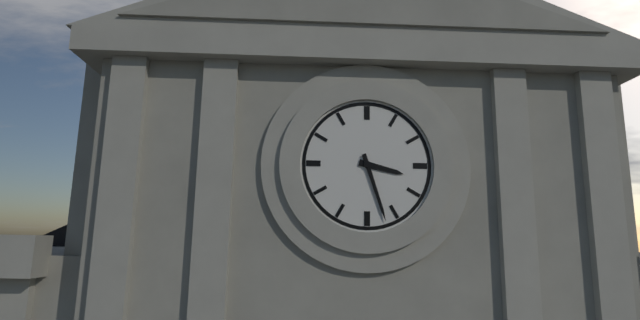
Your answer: **3:27**
